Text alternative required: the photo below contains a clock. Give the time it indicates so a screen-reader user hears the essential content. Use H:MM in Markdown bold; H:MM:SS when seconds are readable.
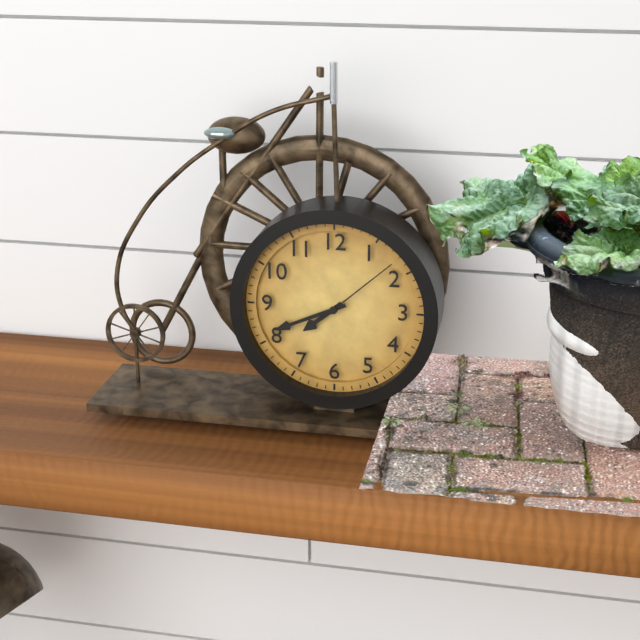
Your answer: **7:41:08**
